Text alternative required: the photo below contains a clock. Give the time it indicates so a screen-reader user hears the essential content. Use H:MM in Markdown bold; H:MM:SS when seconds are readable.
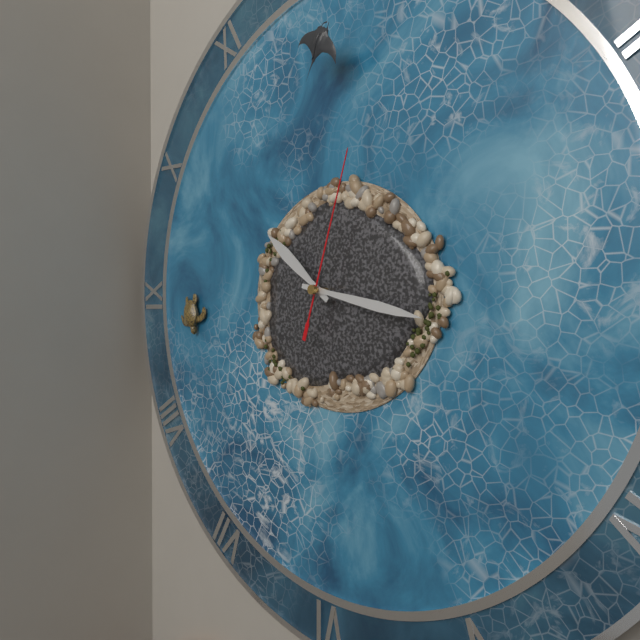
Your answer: **10:17:03**
